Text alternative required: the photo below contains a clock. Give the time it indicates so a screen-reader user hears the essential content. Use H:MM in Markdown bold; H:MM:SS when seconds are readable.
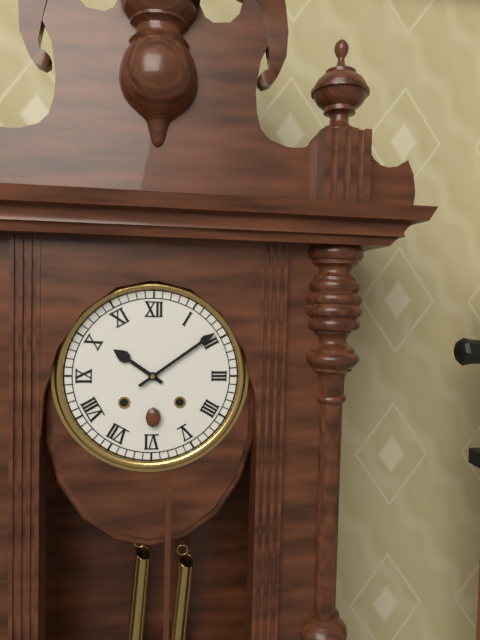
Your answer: **10:09**
